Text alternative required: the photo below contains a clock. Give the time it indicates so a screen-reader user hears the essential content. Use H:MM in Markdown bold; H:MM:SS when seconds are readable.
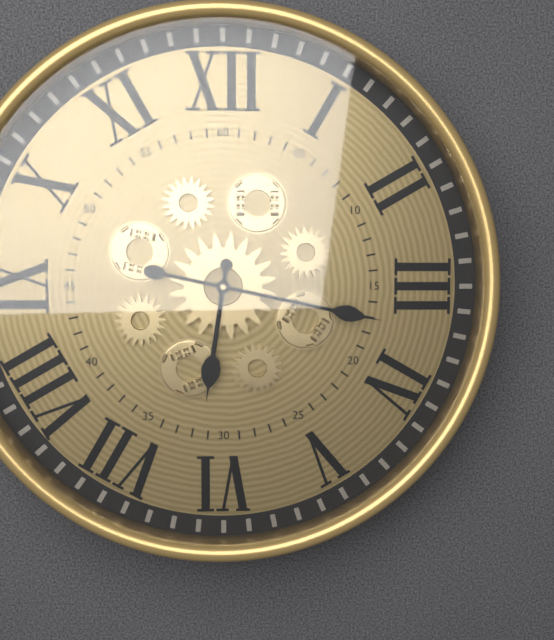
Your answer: **6:17**
